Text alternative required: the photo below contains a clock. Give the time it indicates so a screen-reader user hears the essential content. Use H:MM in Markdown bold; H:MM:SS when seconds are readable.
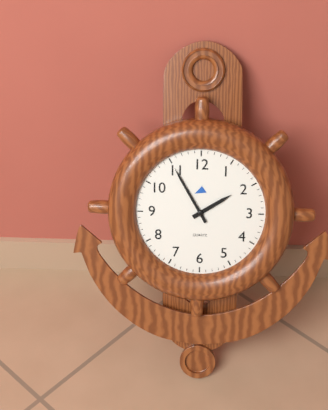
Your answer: **1:55**
